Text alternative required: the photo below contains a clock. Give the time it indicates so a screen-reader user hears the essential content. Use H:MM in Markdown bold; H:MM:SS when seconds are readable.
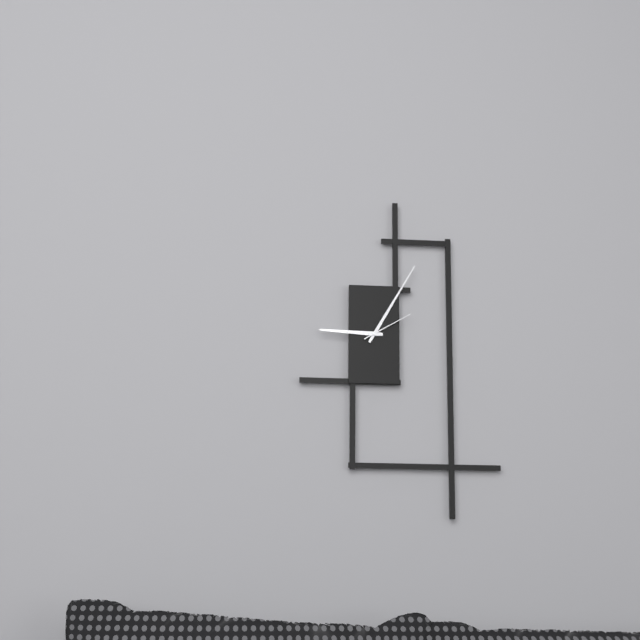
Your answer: **9:05:10**
